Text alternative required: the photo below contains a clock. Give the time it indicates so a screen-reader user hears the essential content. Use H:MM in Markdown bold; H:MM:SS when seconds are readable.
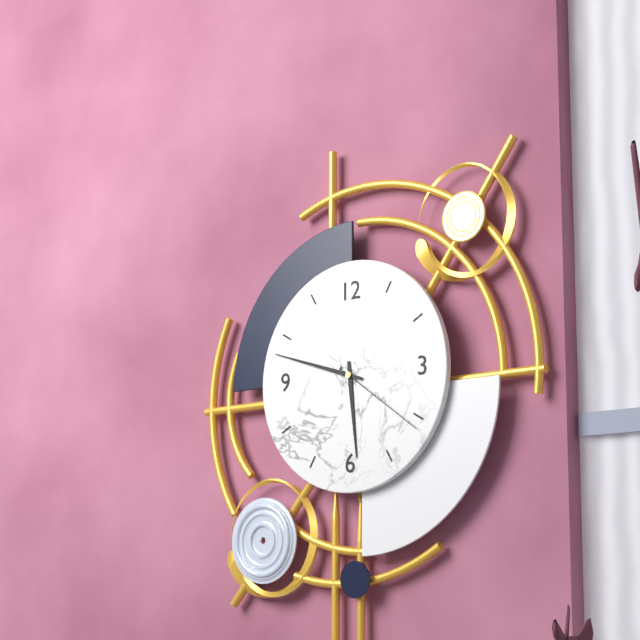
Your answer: **5:48:21**
